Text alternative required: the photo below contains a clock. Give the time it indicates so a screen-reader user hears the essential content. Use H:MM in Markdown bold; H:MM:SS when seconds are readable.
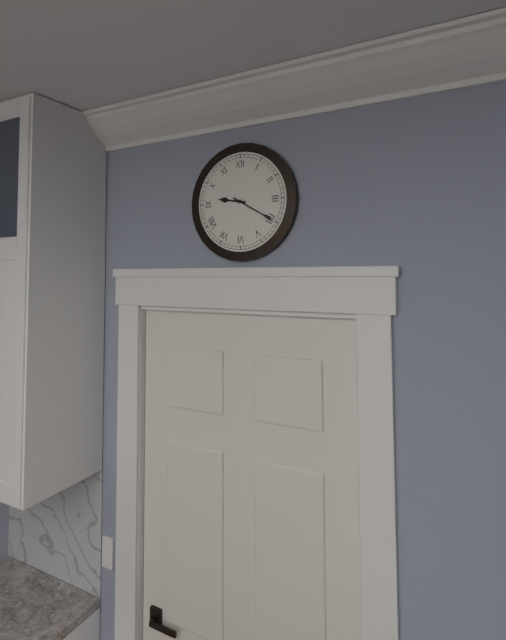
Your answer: **9:20**
